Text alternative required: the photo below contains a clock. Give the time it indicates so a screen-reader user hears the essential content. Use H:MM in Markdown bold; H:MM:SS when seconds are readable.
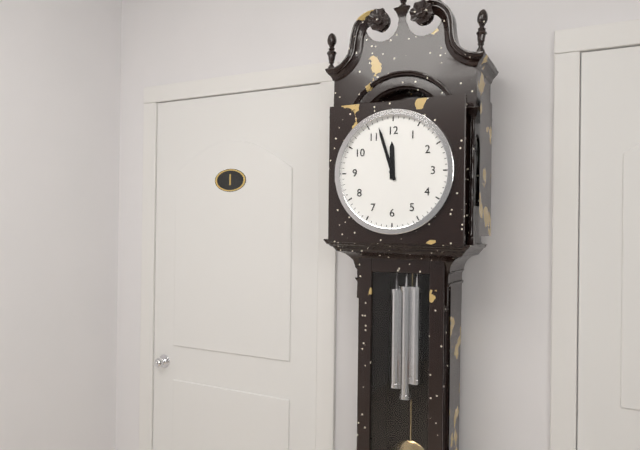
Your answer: **11:57**
